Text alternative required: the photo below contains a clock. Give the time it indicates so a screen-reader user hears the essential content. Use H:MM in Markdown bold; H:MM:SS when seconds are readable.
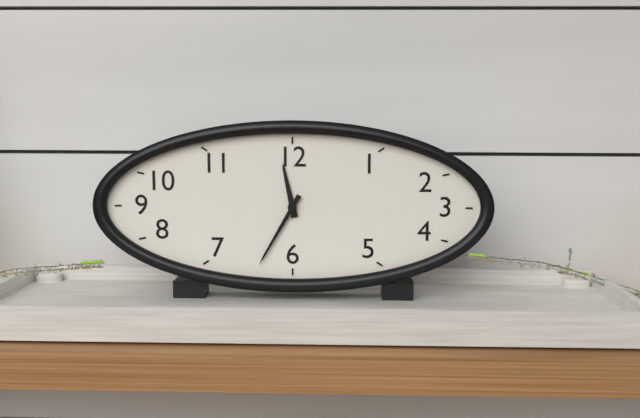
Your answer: **11:35**
